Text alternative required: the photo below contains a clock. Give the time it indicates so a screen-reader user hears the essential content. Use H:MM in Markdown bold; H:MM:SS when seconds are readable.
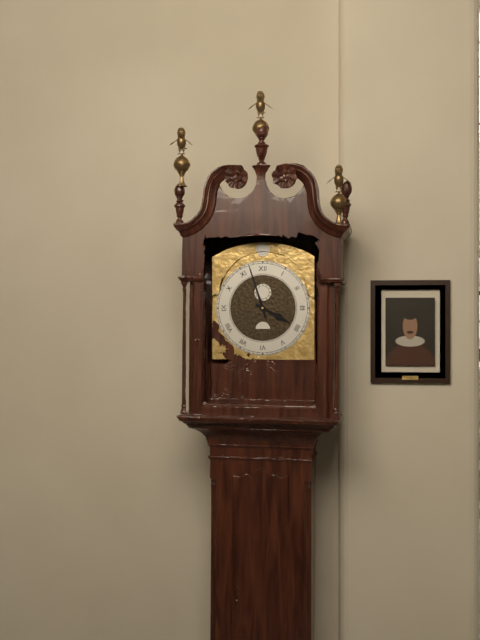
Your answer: **3:57**
